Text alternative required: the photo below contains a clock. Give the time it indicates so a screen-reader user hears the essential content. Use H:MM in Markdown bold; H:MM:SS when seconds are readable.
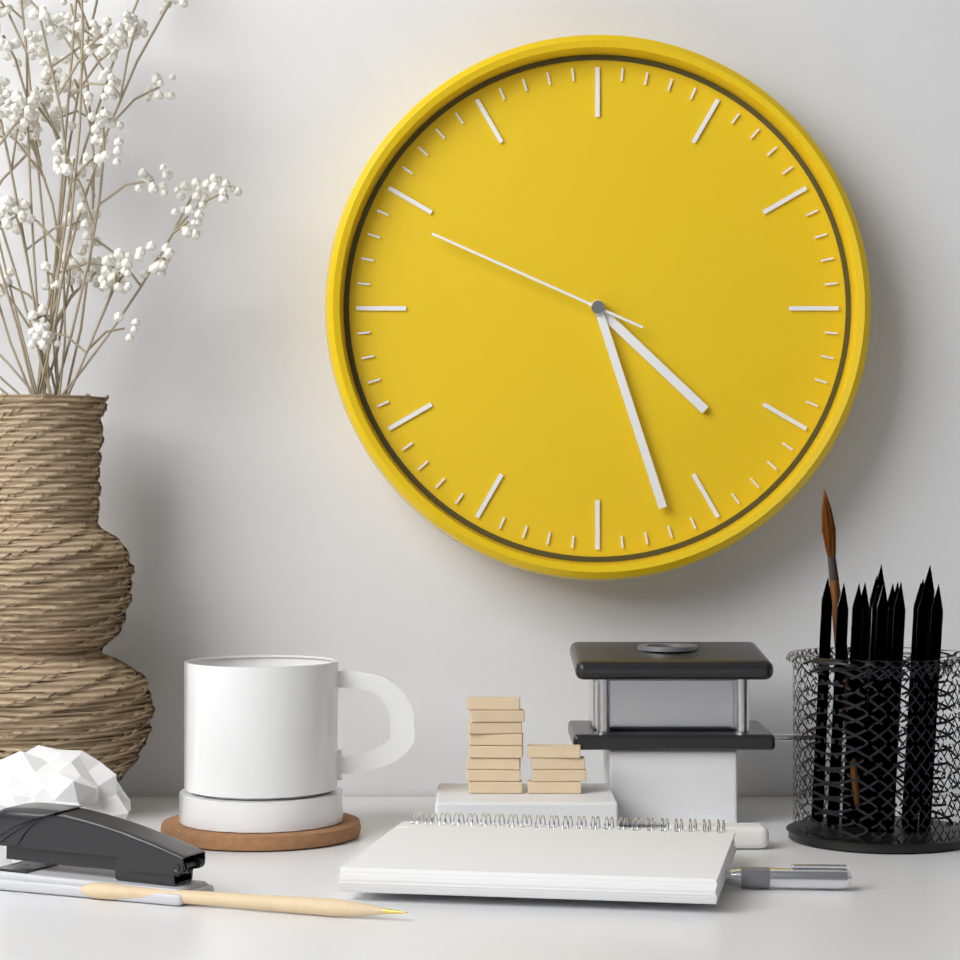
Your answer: **4:27:49**
